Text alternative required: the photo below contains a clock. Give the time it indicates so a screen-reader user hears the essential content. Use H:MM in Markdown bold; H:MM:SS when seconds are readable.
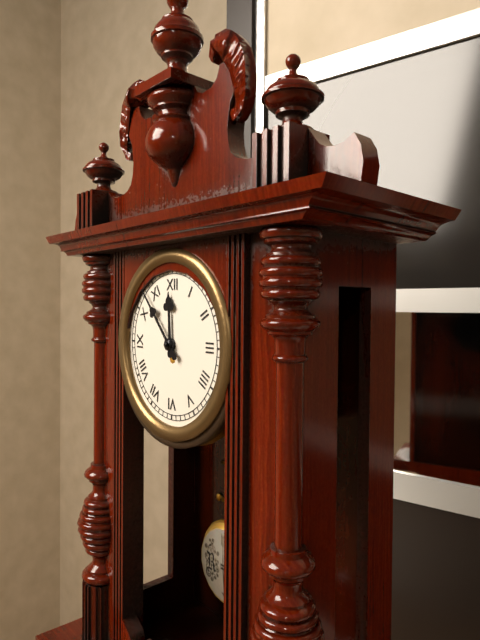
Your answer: **11:53**
